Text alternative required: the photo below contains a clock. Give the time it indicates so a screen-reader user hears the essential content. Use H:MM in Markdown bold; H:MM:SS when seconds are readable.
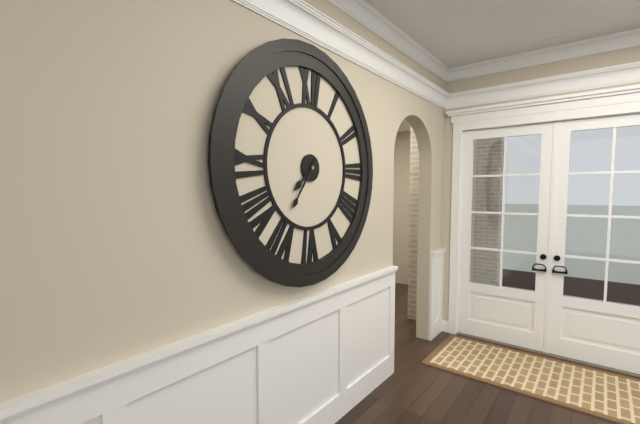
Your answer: **7:36**
